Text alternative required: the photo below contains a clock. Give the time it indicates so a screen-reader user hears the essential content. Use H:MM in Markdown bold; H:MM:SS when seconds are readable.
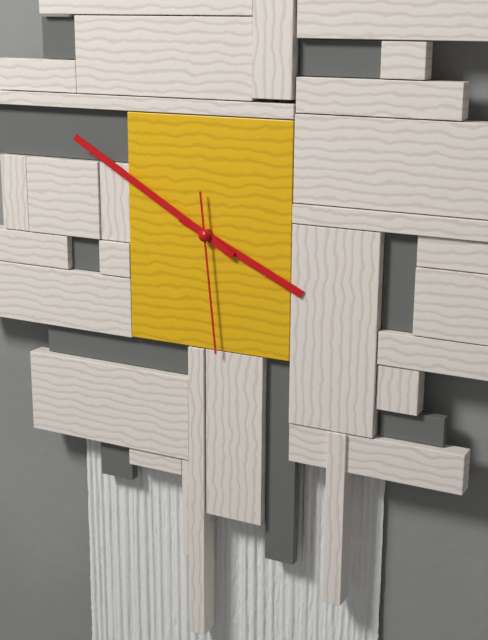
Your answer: **3:50:29**
